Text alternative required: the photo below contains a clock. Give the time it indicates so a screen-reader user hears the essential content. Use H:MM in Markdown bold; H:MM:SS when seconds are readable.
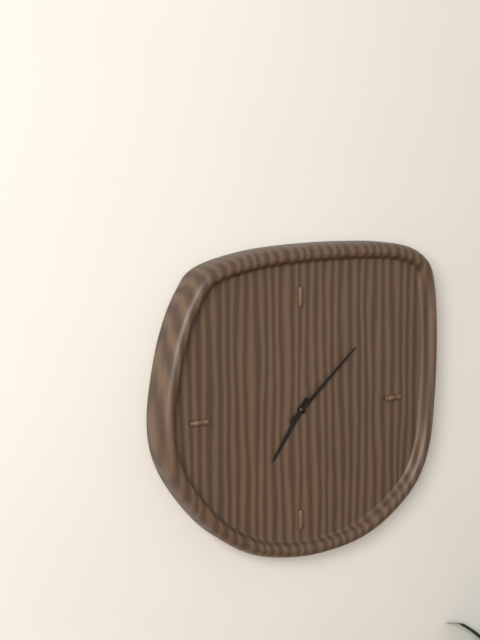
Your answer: **7:08**
